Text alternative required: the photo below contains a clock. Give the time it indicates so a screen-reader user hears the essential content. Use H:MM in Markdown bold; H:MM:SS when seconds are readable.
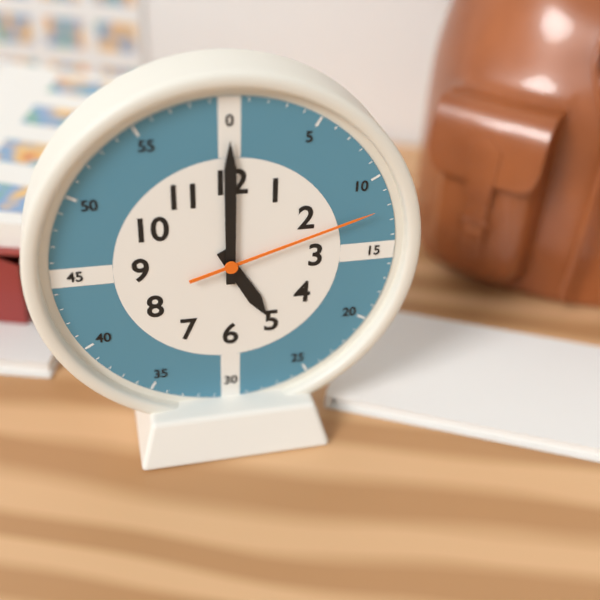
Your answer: **5:00:12**
